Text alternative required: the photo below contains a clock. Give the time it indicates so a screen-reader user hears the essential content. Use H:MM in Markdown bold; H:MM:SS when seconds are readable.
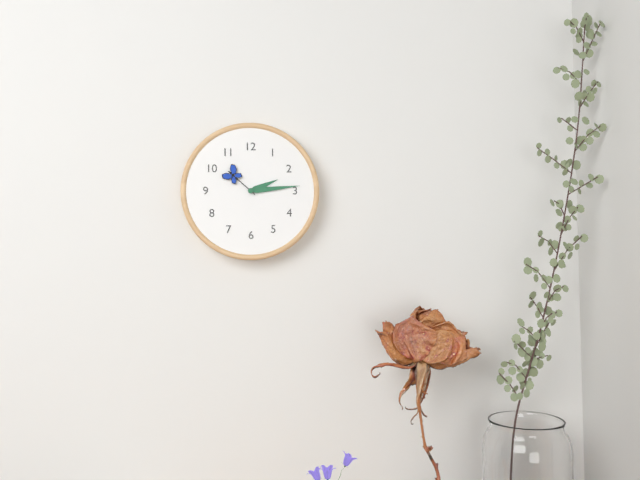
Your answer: **2:14**
